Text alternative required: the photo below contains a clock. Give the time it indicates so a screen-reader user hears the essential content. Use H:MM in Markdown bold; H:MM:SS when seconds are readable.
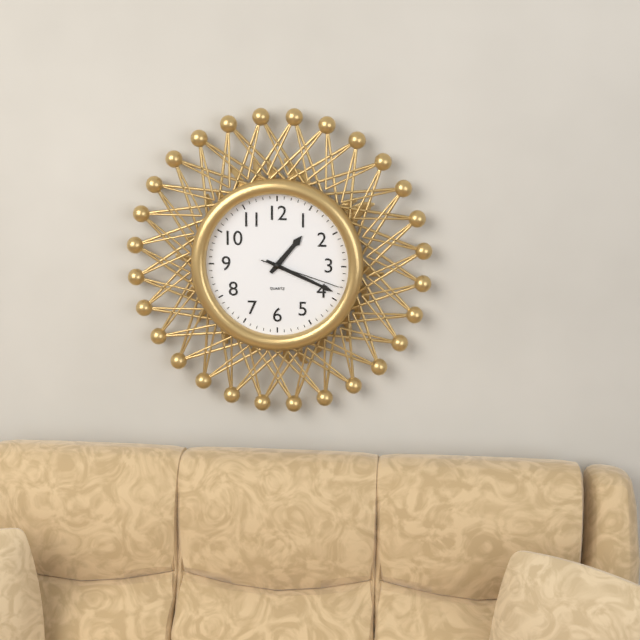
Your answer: **1:19:18**
